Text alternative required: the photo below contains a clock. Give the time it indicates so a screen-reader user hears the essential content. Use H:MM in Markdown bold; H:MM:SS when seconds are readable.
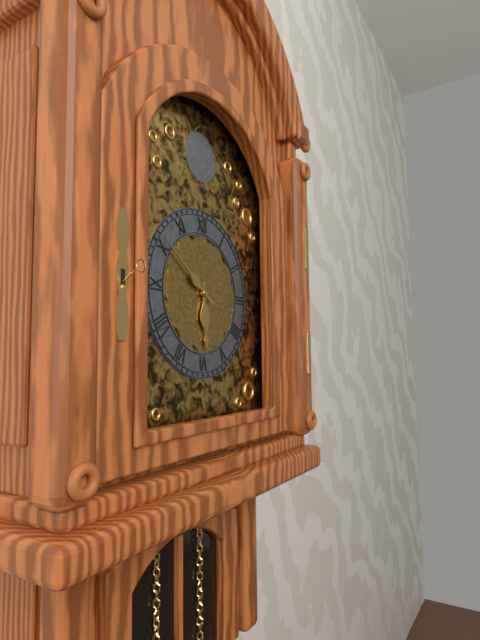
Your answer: **5:51**
